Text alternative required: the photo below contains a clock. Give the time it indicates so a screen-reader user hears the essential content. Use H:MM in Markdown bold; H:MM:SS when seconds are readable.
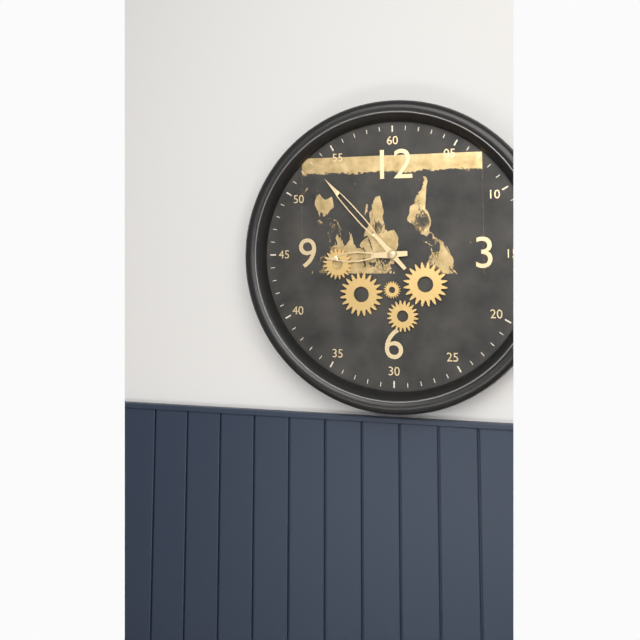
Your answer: **8:53**
